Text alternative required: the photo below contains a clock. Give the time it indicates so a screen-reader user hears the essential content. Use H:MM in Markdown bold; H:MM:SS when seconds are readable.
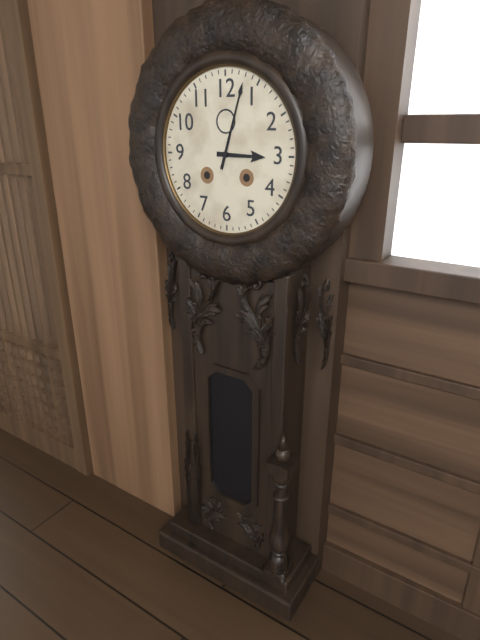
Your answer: **3:03**
